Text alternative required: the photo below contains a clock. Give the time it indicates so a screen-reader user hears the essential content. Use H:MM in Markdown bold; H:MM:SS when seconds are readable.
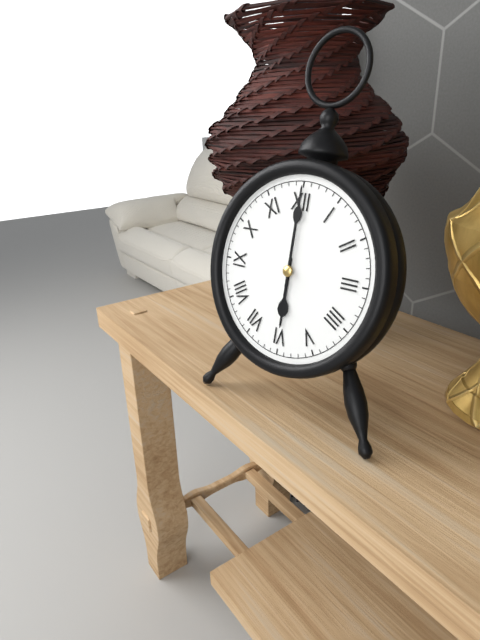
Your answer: **6:00**
